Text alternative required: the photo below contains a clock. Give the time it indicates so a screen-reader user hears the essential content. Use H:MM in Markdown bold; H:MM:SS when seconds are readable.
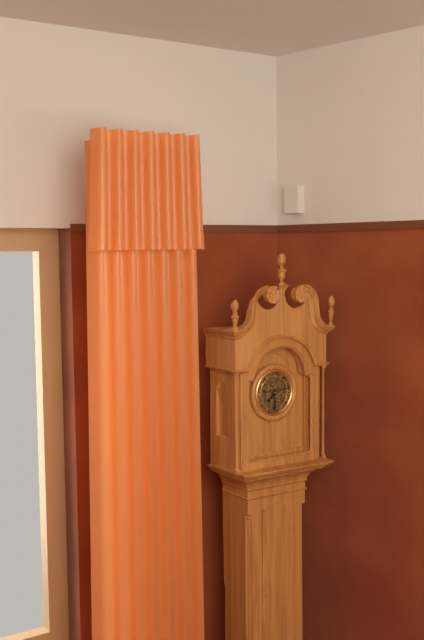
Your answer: **7:30**
